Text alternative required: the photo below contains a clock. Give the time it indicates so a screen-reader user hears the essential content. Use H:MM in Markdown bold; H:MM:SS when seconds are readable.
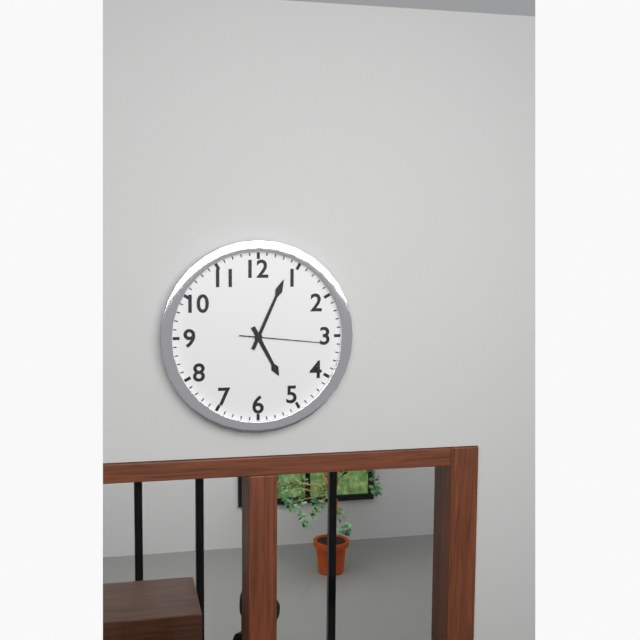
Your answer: **5:04:16**
